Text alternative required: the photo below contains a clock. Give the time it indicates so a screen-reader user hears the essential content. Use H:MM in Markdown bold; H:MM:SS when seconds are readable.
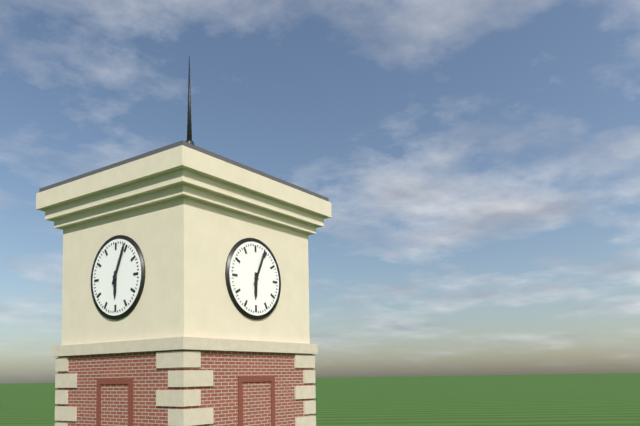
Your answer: **6:04**
